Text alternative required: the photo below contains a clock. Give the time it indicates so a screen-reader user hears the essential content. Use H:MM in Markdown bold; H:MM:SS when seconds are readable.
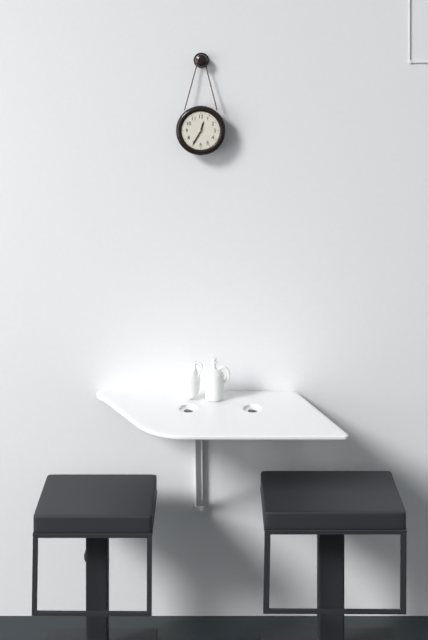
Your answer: **12:35**
